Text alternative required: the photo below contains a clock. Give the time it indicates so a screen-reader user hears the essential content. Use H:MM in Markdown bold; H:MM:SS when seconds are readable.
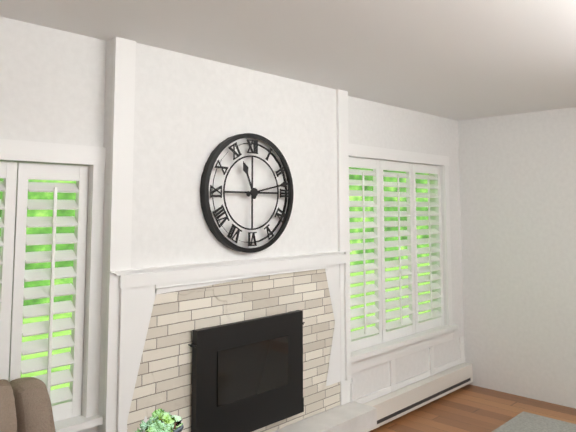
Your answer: **11:13**
